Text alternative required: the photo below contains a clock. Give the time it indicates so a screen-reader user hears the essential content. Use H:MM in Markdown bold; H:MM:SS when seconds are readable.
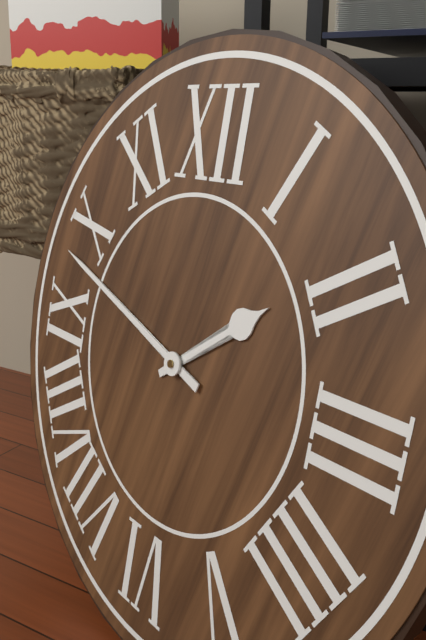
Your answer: **1:48**
